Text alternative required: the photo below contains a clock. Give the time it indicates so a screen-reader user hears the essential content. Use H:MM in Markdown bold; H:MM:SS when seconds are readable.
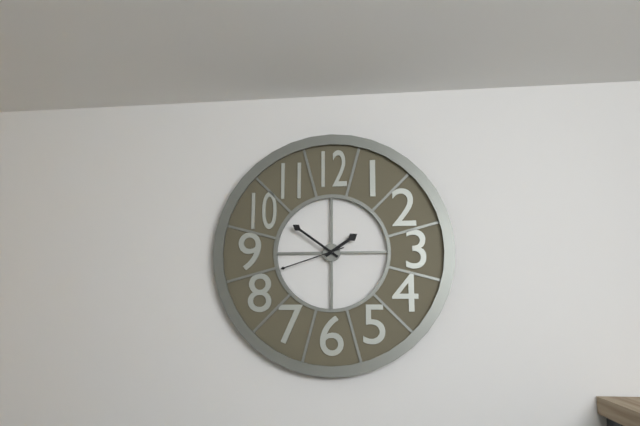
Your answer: **1:51:42**
